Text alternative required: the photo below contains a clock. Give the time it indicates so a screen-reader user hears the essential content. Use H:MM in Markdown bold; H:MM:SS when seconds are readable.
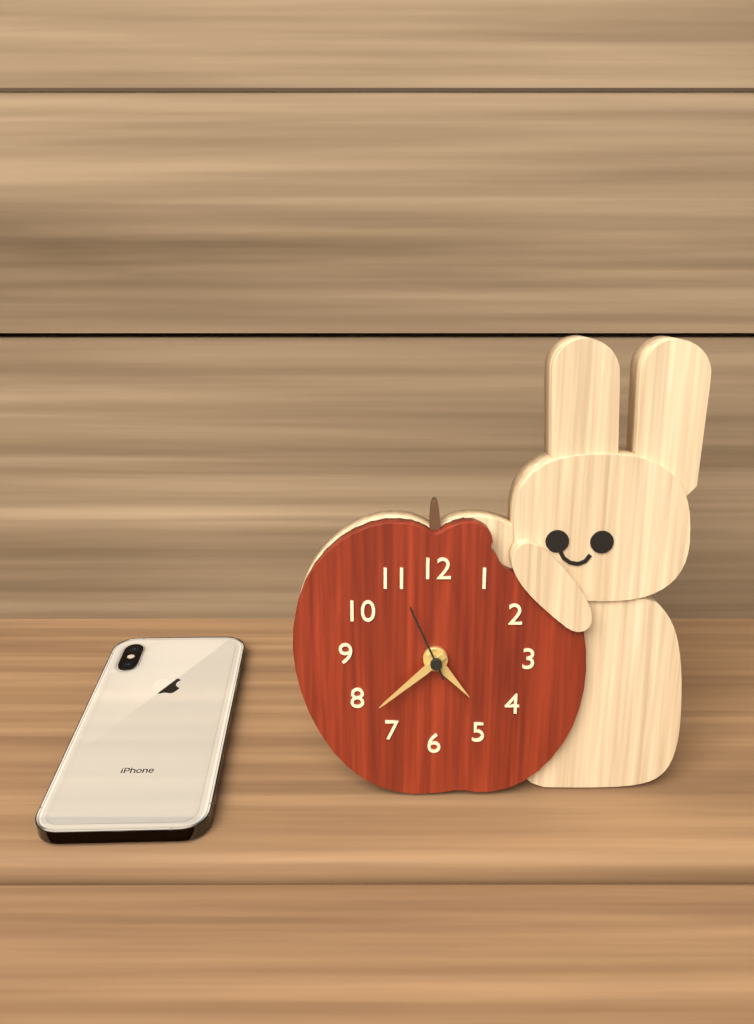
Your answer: **4:38:56**
